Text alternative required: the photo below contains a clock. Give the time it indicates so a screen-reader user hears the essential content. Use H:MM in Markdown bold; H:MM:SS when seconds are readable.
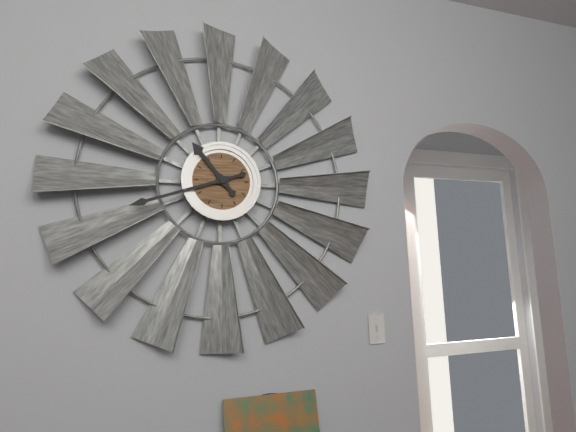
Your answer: **10:42**
